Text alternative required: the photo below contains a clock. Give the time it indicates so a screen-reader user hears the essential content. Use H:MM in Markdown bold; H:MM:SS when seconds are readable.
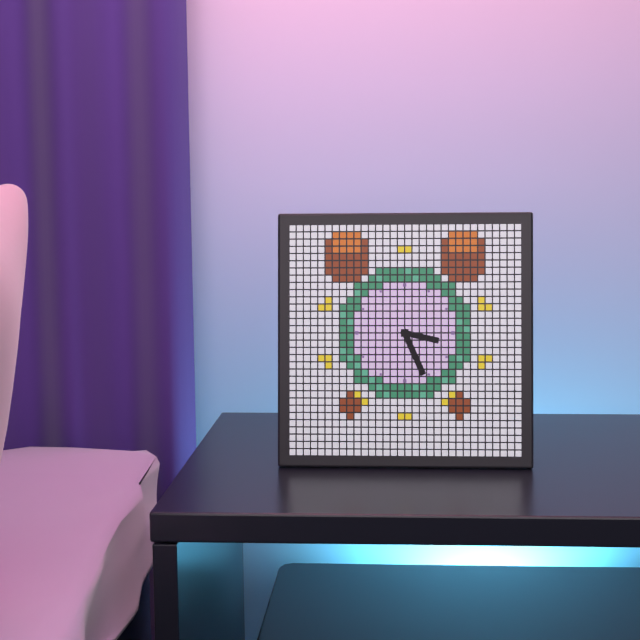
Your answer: **3:26**
